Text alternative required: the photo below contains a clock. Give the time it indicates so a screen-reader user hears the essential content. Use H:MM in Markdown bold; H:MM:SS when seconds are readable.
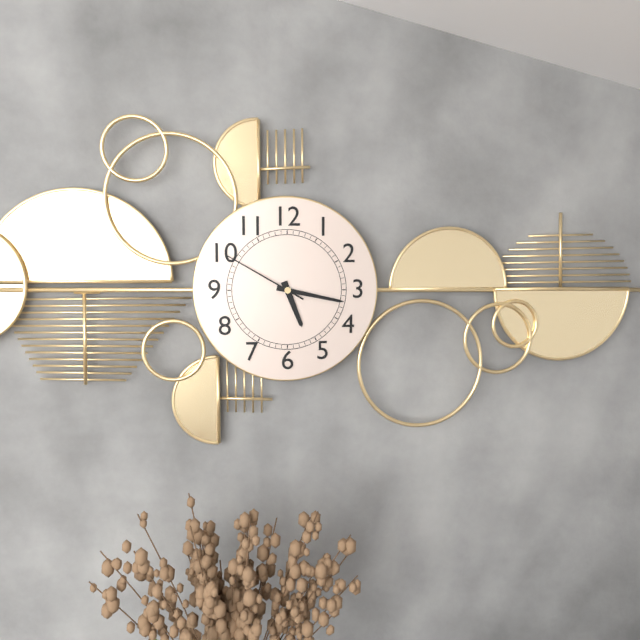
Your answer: **5:17:50**
